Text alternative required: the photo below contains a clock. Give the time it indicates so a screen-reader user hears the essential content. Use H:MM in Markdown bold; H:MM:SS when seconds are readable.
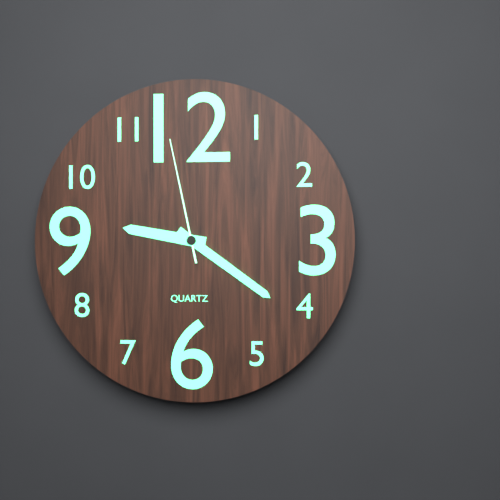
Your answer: **9:21:58**
